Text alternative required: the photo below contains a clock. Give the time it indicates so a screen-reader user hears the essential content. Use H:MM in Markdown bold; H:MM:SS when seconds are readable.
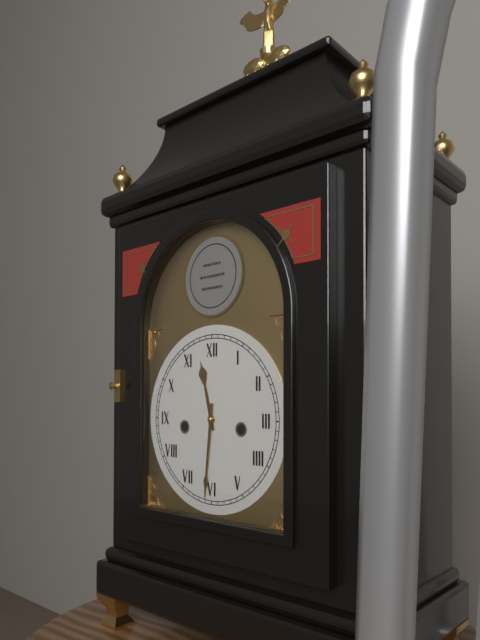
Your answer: **11:31**
